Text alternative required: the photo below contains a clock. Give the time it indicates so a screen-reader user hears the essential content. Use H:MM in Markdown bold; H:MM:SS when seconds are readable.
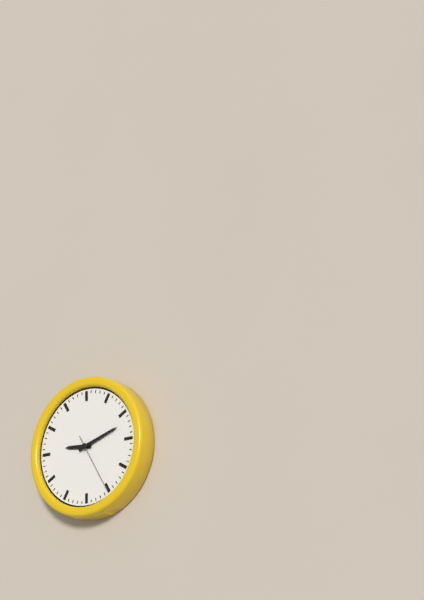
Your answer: **9:12:25**
